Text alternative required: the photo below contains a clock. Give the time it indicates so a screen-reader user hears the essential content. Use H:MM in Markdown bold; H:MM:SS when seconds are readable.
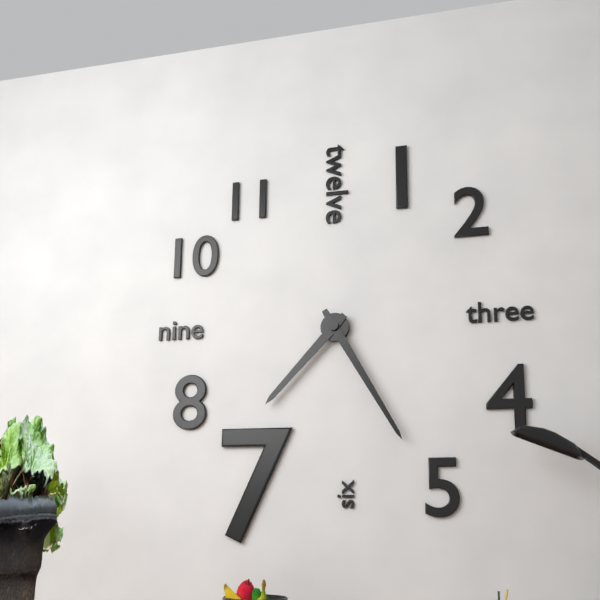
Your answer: **7:25**
